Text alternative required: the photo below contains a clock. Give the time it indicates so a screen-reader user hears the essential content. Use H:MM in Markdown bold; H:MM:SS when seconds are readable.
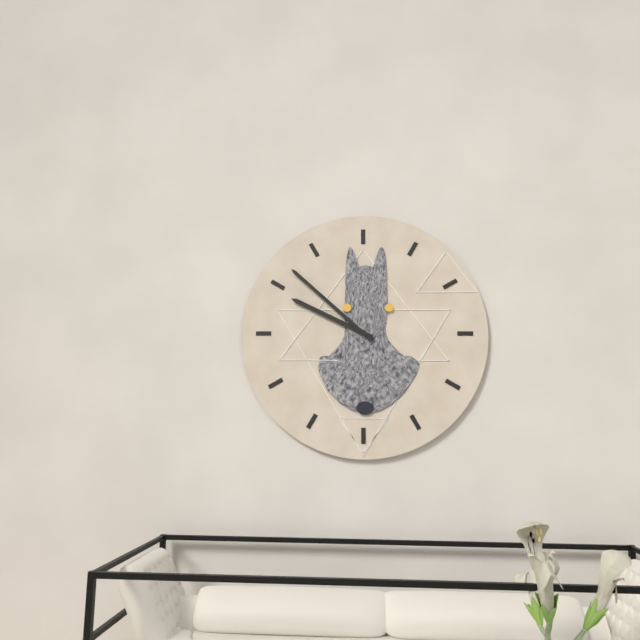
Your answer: **9:52**
